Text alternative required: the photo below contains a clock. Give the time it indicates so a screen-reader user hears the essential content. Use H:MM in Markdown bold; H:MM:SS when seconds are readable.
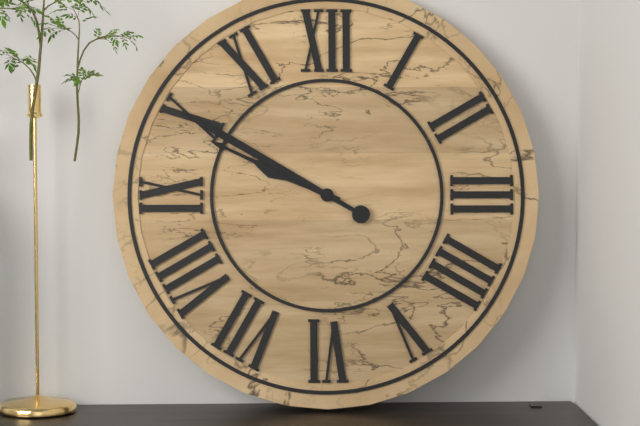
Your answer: **9:50**
